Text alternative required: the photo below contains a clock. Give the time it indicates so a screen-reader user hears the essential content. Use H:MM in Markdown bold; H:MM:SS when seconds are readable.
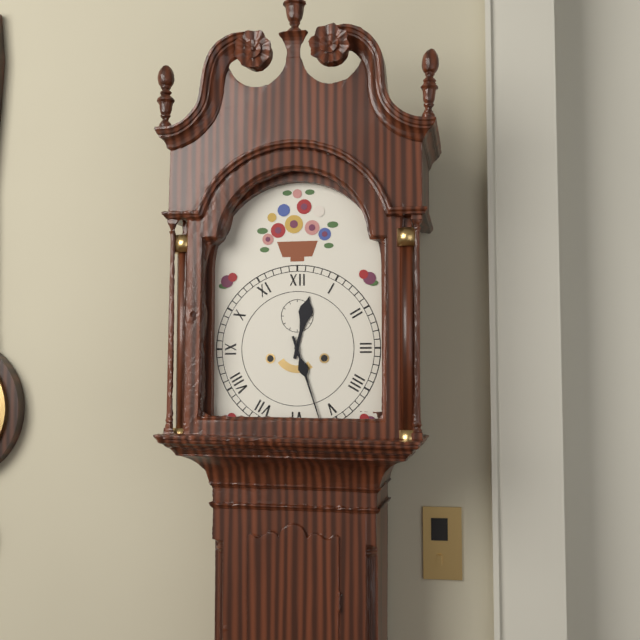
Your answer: **12:27**
